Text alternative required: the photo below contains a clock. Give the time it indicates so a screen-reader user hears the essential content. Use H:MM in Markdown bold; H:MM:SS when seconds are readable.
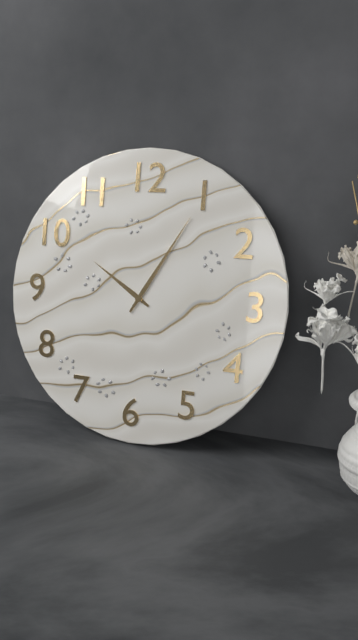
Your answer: **10:05**
